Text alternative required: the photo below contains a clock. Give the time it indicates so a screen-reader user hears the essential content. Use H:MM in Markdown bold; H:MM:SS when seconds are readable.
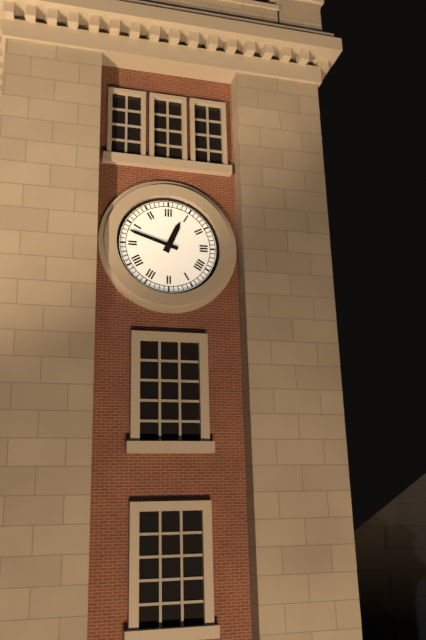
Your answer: **12:48**
